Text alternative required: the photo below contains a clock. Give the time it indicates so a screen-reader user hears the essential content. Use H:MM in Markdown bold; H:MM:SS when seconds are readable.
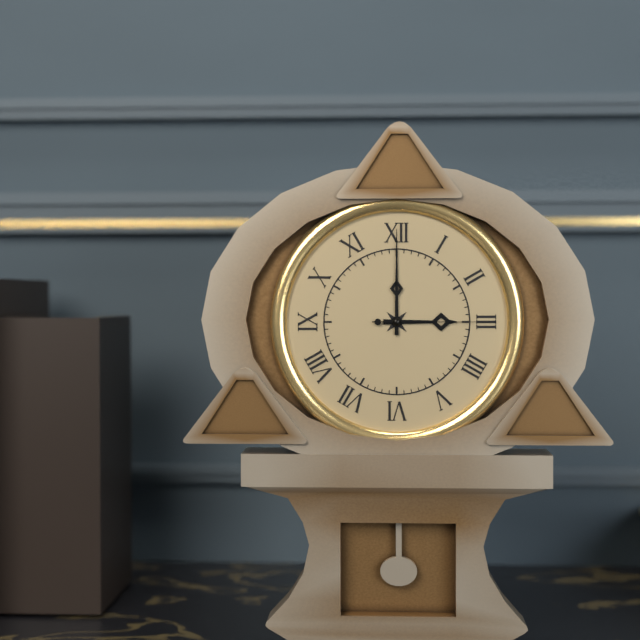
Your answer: **3:00:15**
